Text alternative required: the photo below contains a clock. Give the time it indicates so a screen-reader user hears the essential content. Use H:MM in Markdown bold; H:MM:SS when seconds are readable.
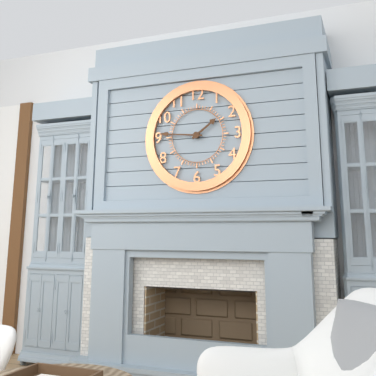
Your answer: **1:46**
